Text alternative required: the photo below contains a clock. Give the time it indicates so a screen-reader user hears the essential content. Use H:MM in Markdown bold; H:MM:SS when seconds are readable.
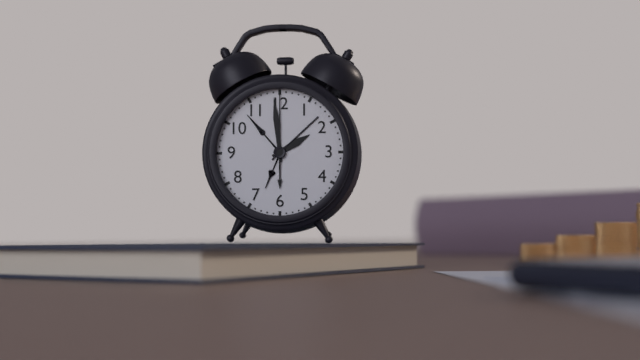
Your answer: **1:59:00**
